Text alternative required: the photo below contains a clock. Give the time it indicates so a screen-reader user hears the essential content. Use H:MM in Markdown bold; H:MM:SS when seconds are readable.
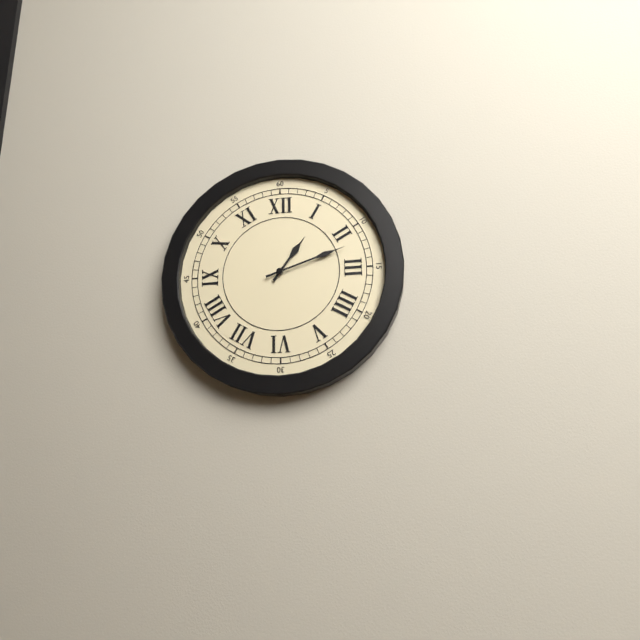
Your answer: **1:12**
